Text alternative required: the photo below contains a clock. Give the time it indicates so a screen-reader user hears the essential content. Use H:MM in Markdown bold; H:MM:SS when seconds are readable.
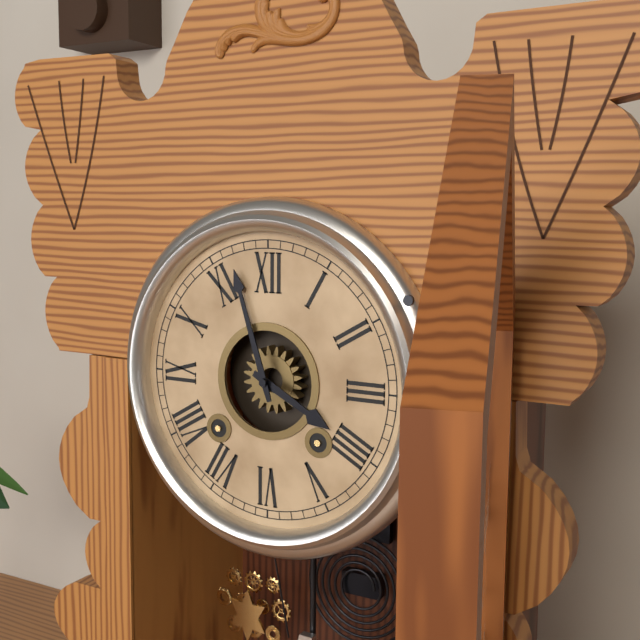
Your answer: **3:57**
